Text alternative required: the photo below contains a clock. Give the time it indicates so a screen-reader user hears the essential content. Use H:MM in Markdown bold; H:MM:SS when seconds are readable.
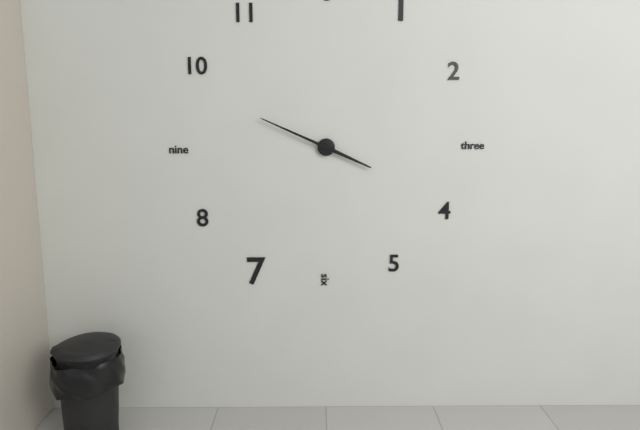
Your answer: **3:49**
